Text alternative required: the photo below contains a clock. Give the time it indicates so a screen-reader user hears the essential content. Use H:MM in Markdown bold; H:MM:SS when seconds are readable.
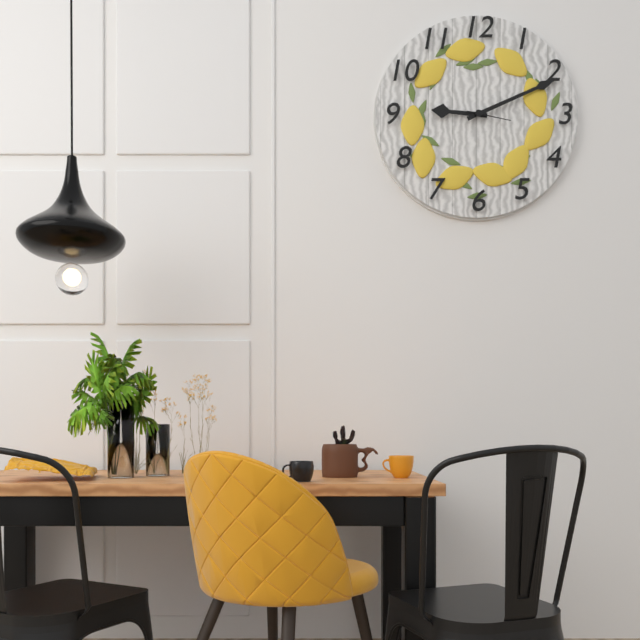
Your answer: **9:11**
